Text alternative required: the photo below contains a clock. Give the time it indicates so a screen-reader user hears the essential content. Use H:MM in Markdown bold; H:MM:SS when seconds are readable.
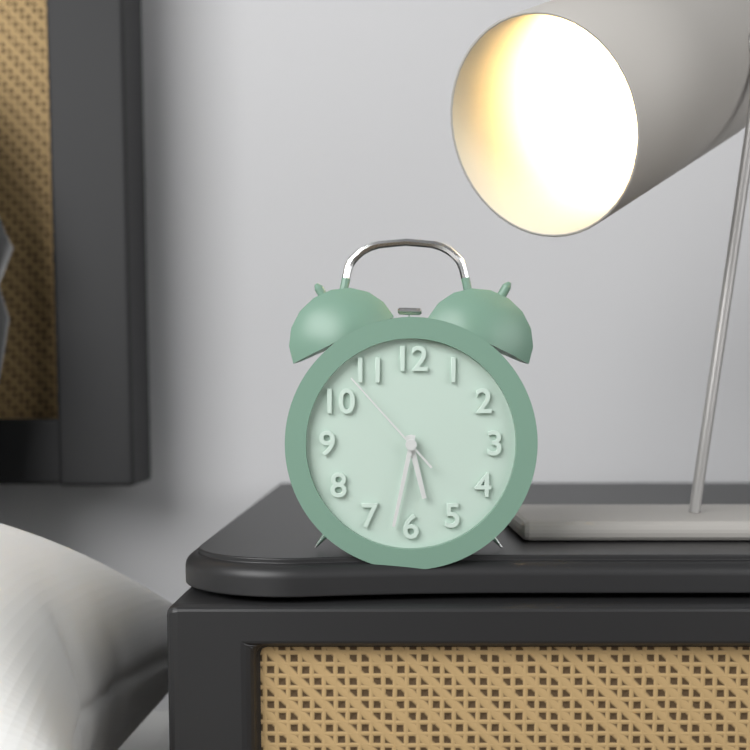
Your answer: **5:32:53**
